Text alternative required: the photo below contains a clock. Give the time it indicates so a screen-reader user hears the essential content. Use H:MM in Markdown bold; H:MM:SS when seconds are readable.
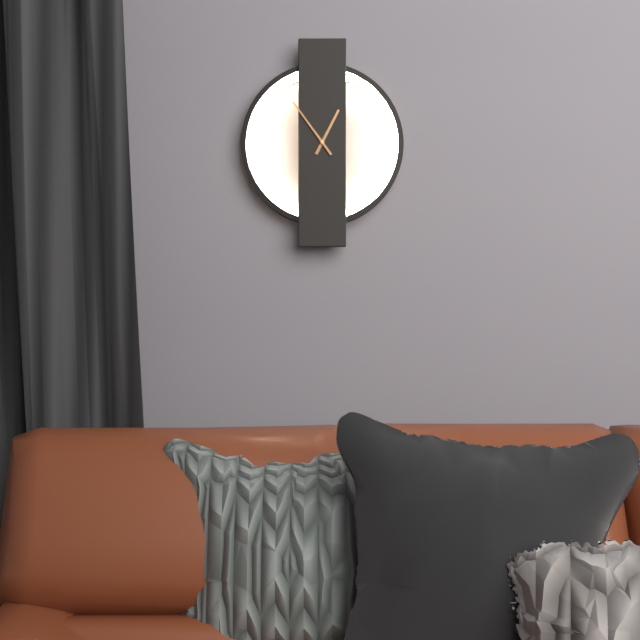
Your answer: **12:54**
